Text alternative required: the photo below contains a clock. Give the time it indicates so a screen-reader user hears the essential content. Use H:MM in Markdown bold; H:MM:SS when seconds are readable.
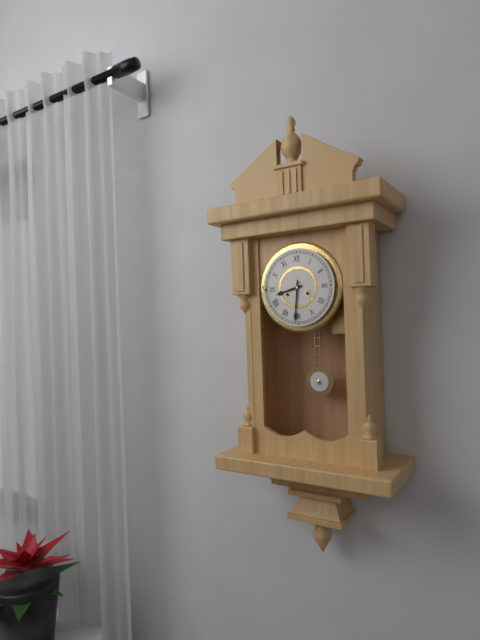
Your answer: **8:31**
